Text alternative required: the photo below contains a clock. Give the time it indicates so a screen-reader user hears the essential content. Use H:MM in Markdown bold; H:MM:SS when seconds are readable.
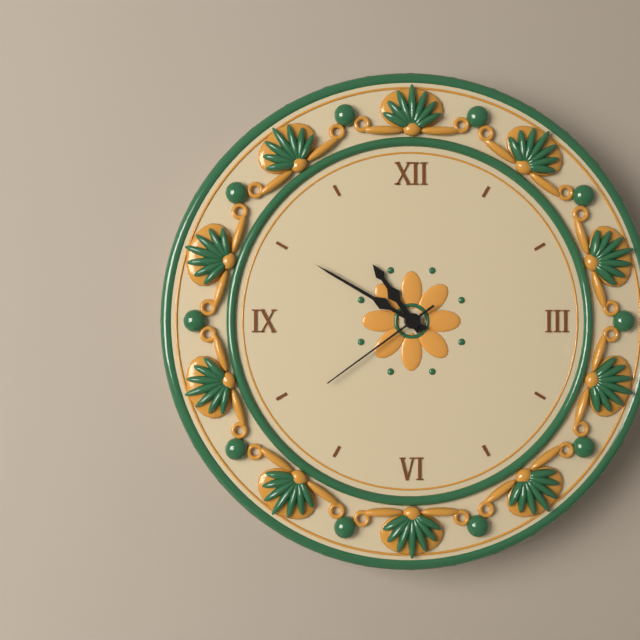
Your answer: **10:50:39**
